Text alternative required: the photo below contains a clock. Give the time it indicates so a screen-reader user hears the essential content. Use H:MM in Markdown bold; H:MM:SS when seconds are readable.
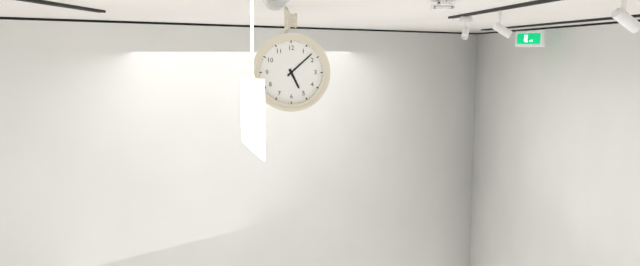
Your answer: **5:08**
